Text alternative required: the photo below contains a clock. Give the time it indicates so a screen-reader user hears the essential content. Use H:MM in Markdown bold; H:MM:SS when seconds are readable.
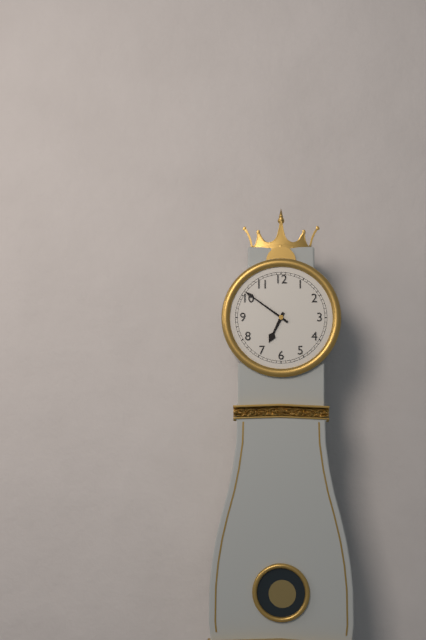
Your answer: **6:51**
